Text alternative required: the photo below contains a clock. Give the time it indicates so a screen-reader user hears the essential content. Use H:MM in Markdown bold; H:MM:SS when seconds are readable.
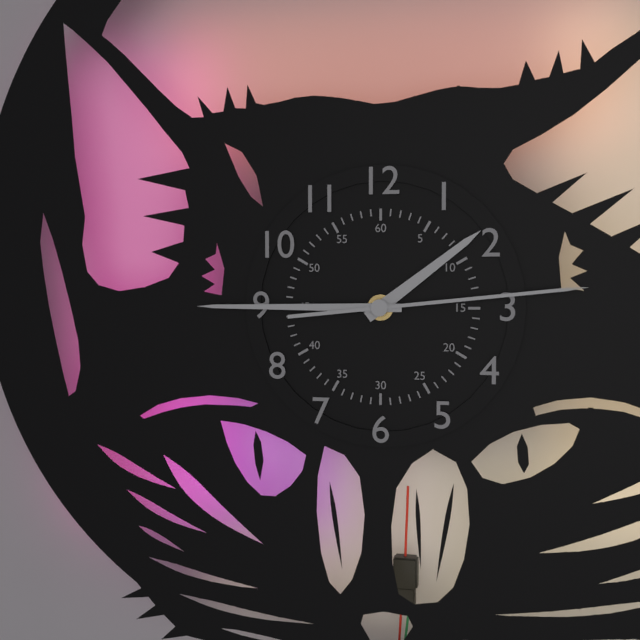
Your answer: **1:45:14**
